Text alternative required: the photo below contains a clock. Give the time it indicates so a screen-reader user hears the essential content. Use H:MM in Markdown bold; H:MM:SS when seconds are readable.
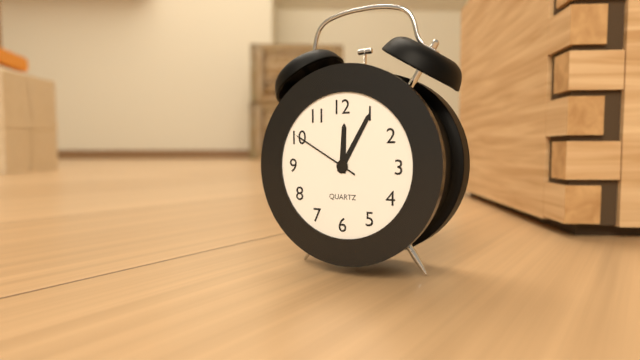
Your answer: **12:05:50**
